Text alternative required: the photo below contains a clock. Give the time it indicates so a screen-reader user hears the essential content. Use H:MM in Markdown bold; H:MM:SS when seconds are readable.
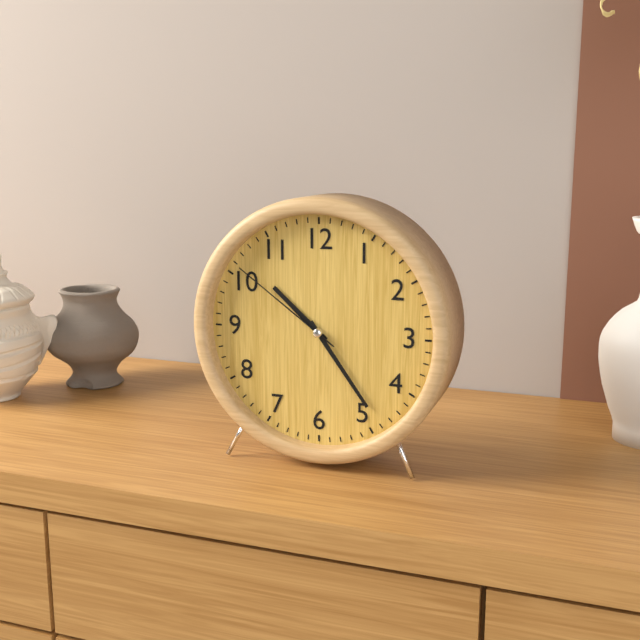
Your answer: **10:24:51**
